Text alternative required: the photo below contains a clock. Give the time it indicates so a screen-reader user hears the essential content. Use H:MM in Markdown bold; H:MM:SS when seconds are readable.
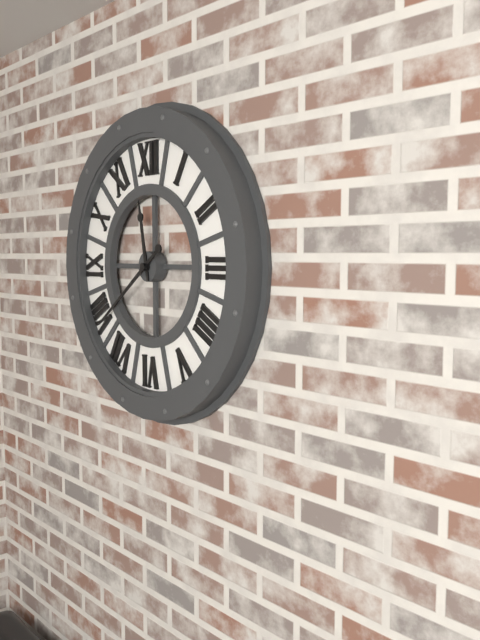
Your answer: **11:39**
